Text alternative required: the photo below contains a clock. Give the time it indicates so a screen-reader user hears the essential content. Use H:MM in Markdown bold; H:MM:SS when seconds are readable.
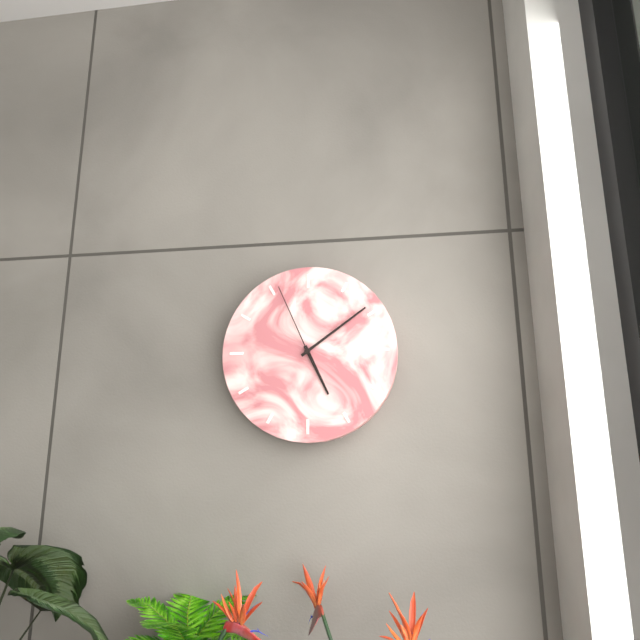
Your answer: **5:09:56**
